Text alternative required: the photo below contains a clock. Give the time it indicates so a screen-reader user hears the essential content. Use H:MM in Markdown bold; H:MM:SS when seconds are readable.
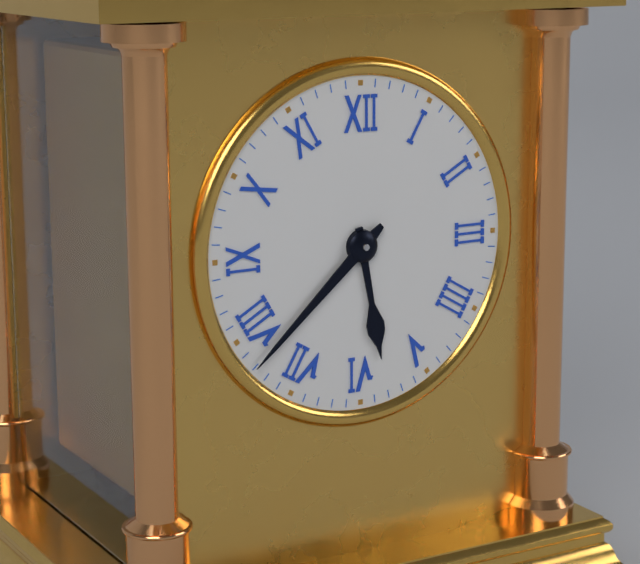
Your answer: **5:38**
